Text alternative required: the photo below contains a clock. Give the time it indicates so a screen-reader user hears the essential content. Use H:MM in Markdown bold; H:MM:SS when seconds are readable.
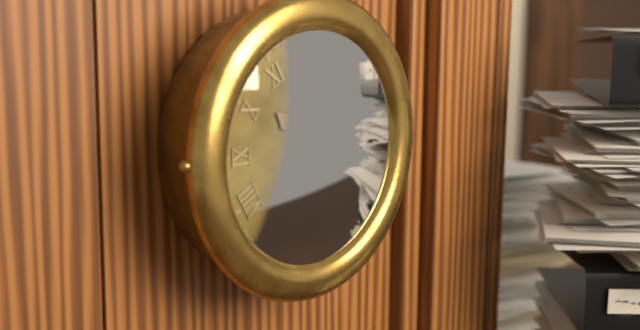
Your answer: **10:25:15**
